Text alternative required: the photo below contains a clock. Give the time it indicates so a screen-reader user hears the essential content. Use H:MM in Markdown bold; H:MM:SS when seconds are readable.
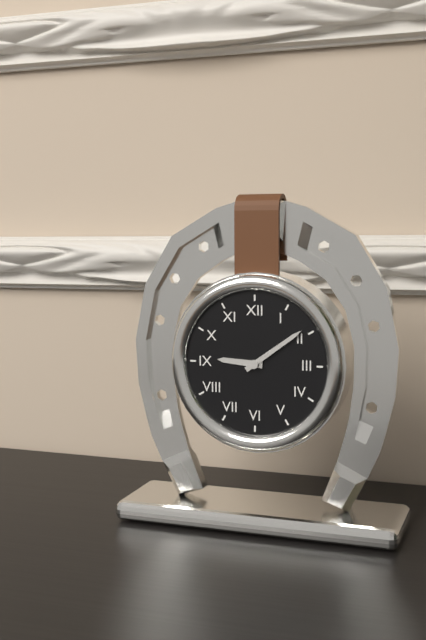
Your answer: **9:09**
